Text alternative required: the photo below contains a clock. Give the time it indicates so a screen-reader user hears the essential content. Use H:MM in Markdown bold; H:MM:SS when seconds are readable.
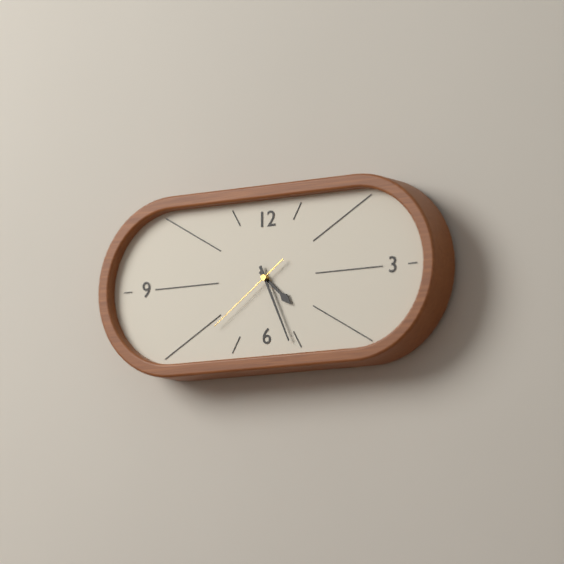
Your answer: **4:26:39**
